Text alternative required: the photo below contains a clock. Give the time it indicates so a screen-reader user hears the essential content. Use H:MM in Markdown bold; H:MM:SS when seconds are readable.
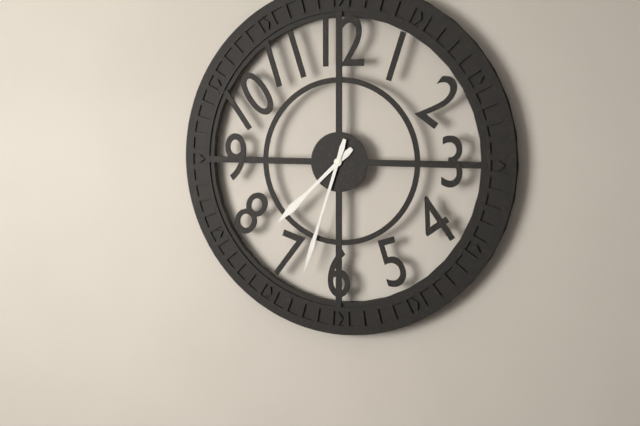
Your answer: **7:33**
